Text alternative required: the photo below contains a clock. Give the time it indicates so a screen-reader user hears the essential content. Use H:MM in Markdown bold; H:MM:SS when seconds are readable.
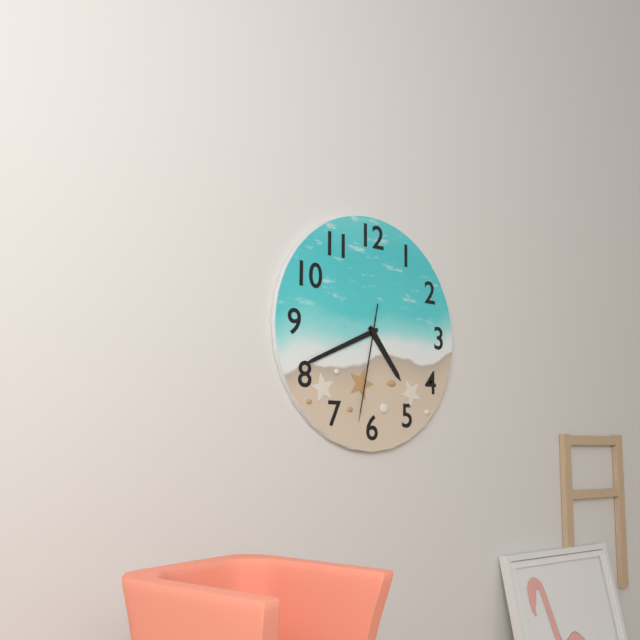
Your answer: **4:41:32**
